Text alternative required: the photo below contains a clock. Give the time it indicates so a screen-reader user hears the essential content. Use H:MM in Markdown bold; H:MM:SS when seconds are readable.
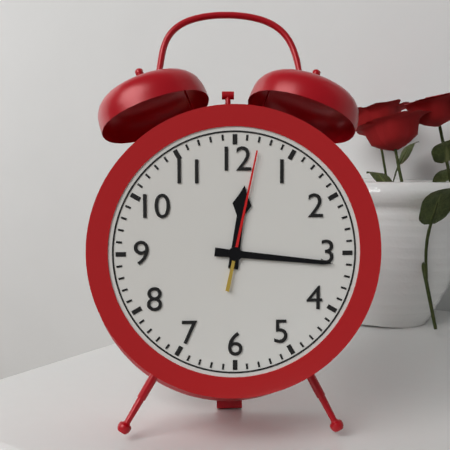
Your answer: **12:16:02**
